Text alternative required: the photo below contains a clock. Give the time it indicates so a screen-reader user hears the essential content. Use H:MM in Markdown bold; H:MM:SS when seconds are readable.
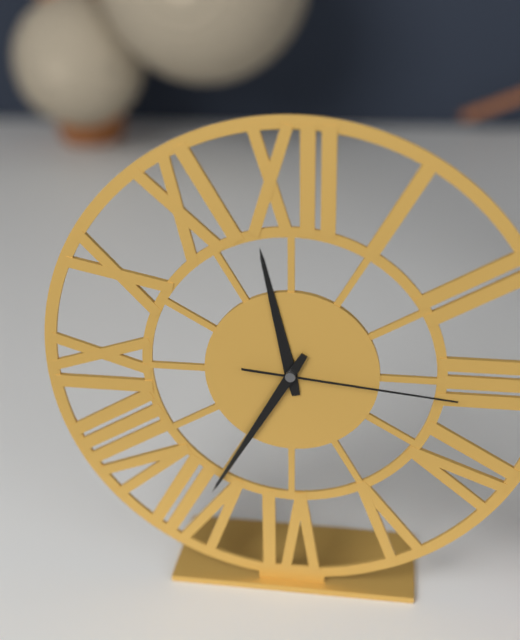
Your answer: **11:35:16**
